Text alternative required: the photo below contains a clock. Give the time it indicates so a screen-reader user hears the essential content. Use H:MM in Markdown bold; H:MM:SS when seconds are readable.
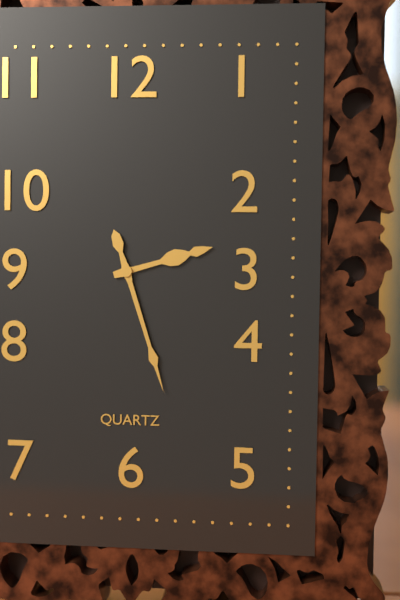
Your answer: **2:27**
